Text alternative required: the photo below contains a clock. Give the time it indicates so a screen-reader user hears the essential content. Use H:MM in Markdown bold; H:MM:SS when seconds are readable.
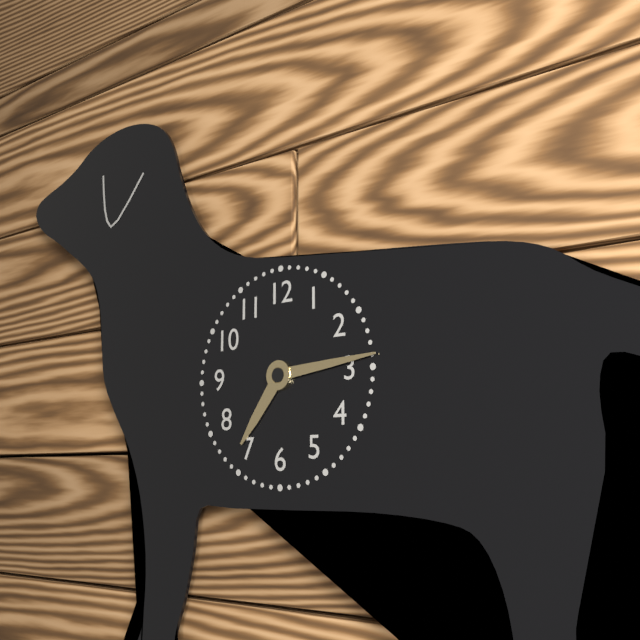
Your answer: **7:14**
